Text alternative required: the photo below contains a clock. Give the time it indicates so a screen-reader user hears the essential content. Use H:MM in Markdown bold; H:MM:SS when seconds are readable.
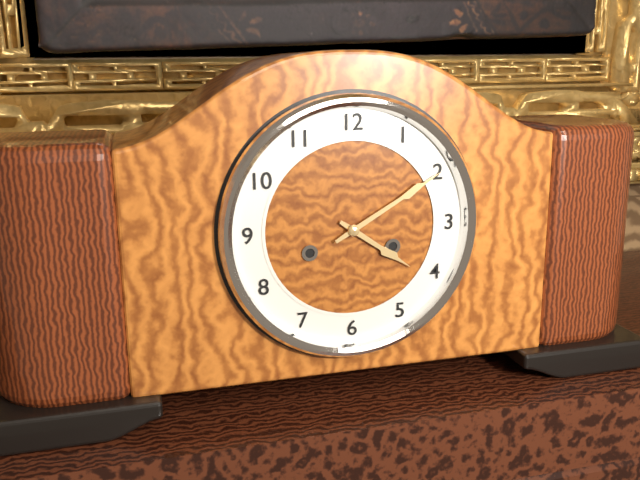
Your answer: **4:10**
